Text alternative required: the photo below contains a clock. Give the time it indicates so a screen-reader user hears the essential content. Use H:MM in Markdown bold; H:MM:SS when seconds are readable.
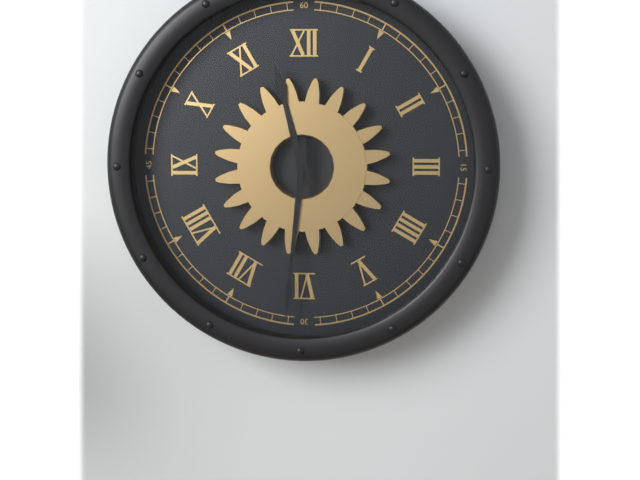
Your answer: **11:31**
